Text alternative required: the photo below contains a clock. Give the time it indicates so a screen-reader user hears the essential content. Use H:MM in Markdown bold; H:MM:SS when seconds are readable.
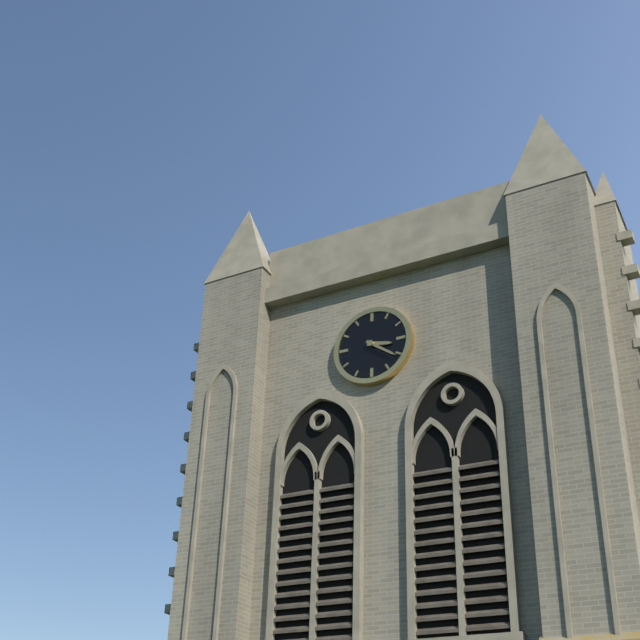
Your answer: **3:21**
